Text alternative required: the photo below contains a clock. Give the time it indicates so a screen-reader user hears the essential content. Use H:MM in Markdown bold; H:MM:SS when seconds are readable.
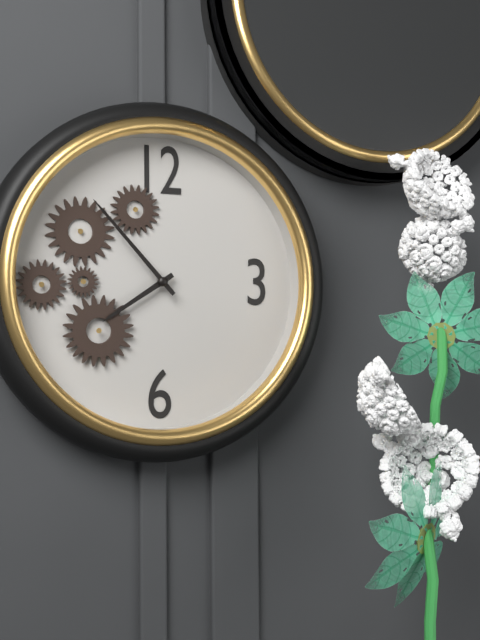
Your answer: **7:53**
